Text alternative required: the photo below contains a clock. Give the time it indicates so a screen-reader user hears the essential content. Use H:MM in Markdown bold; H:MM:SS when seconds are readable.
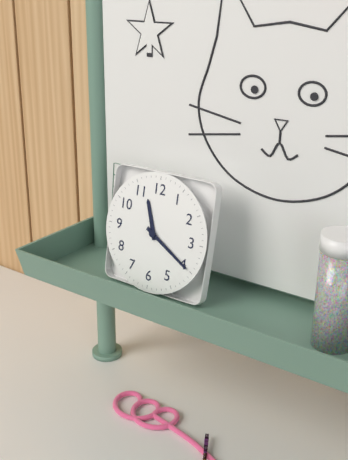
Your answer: **11:20**
